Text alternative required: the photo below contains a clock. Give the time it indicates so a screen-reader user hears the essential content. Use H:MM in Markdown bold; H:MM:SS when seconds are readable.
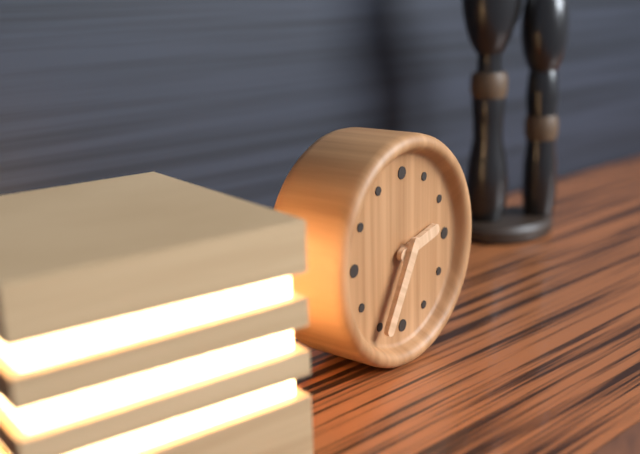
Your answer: **2:35**
